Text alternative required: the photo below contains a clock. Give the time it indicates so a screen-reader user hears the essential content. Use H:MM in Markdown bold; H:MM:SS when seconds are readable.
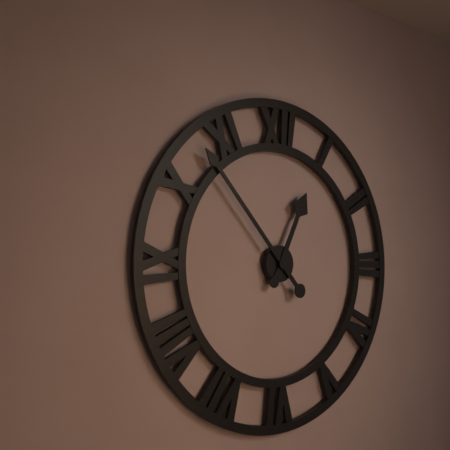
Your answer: **12:53**
